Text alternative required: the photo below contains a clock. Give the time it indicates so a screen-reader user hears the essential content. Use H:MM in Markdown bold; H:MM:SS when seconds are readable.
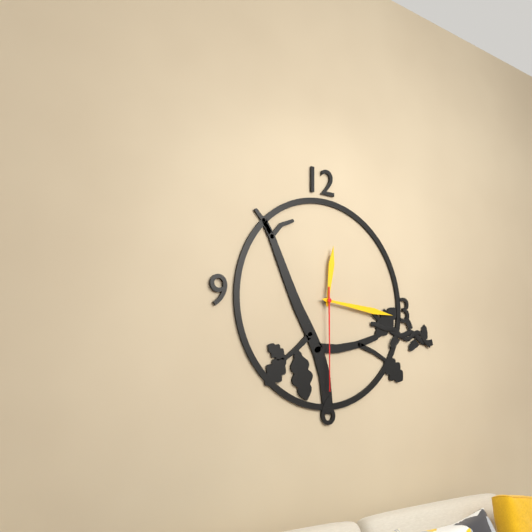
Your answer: **12:16:30**
